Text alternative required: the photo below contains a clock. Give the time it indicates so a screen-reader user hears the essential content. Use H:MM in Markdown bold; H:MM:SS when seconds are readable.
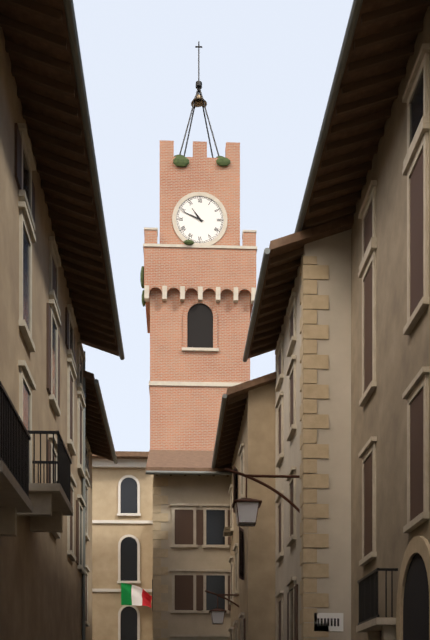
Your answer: **10:49**
